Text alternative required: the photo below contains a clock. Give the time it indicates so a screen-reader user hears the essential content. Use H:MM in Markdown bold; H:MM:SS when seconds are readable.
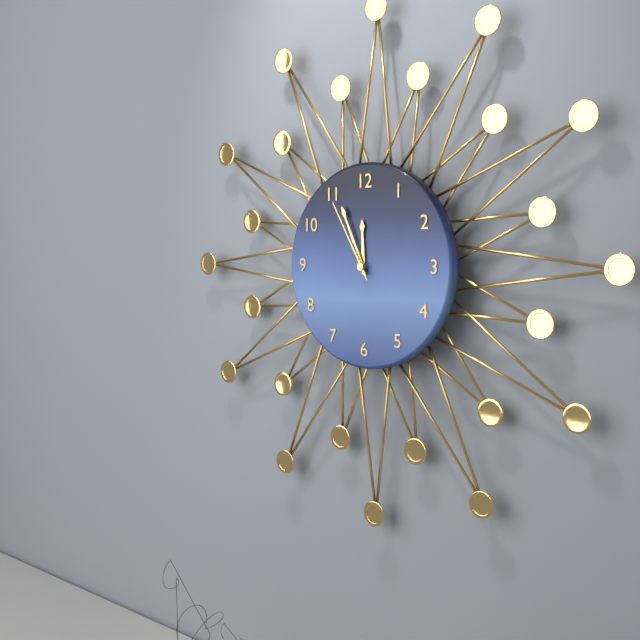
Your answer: **11:56:55**
